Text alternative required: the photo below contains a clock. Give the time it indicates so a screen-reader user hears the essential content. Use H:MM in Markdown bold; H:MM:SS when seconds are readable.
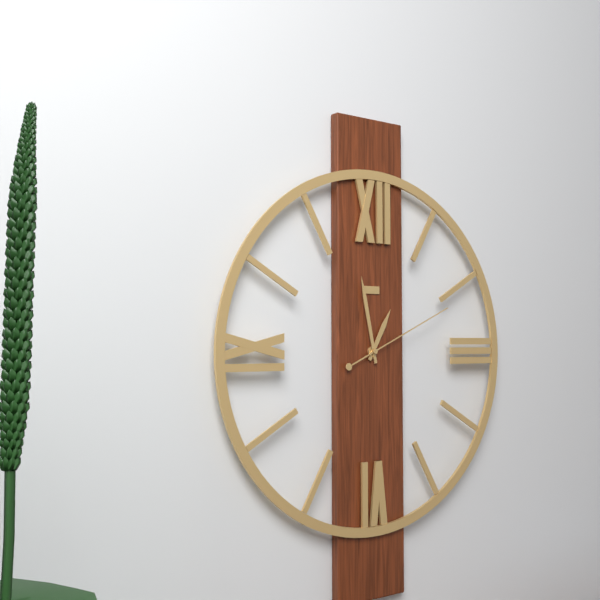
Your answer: **12:58:11**
